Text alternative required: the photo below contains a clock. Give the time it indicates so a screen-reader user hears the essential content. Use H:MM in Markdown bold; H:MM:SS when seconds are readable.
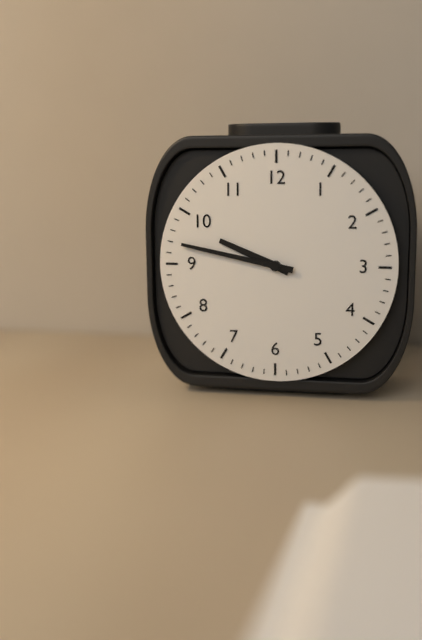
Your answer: **9:47**
